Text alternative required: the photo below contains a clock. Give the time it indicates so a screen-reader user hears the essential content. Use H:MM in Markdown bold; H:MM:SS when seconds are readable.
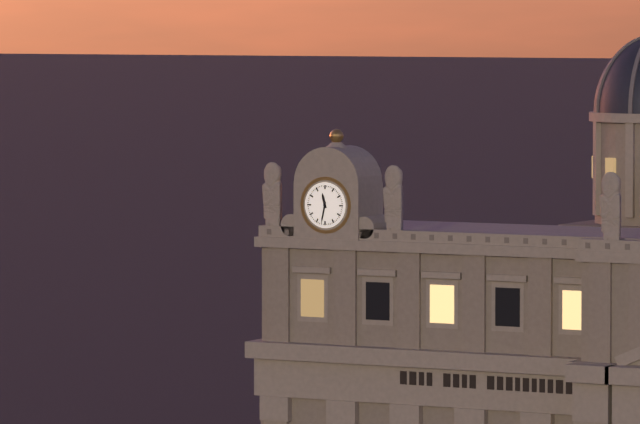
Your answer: **11:32**
